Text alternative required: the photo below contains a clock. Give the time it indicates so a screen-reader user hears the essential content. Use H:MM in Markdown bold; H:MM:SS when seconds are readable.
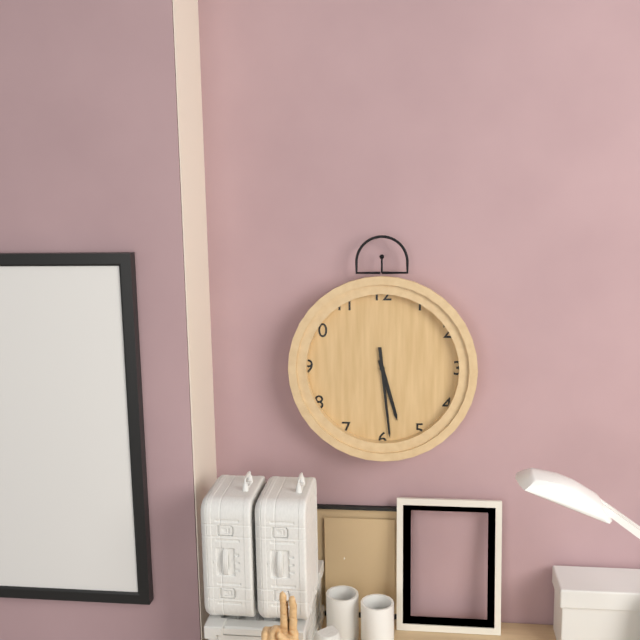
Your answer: **5:29**
